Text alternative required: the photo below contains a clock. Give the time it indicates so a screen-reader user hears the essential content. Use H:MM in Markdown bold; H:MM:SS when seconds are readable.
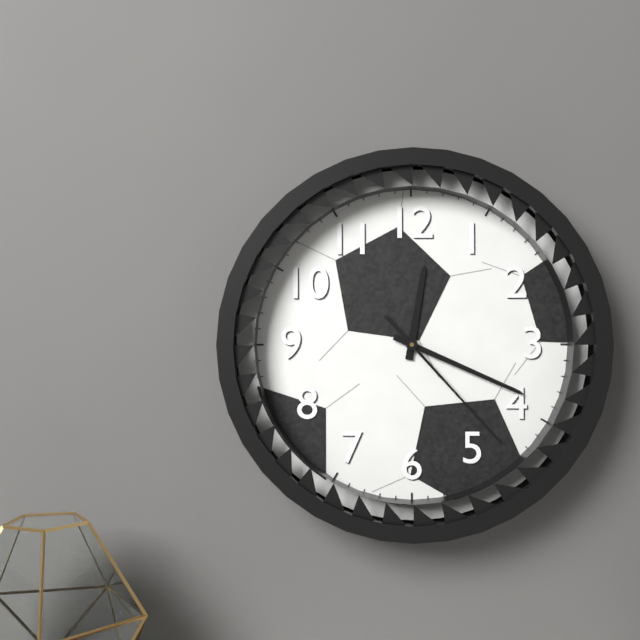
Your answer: **12:19:23**
